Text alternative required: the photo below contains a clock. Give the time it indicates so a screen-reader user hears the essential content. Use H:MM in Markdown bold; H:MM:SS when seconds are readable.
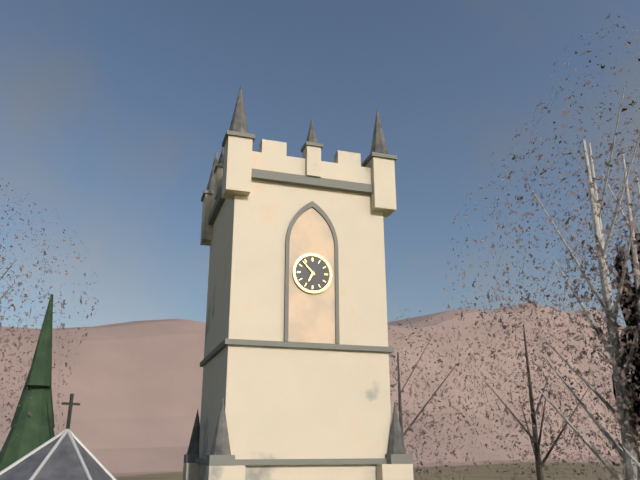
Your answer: **6:53**
